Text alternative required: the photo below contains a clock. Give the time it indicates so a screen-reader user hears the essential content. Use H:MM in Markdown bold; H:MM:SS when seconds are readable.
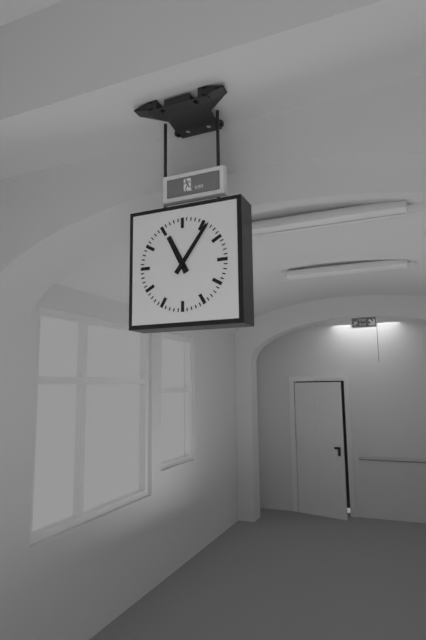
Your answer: **11:06**
